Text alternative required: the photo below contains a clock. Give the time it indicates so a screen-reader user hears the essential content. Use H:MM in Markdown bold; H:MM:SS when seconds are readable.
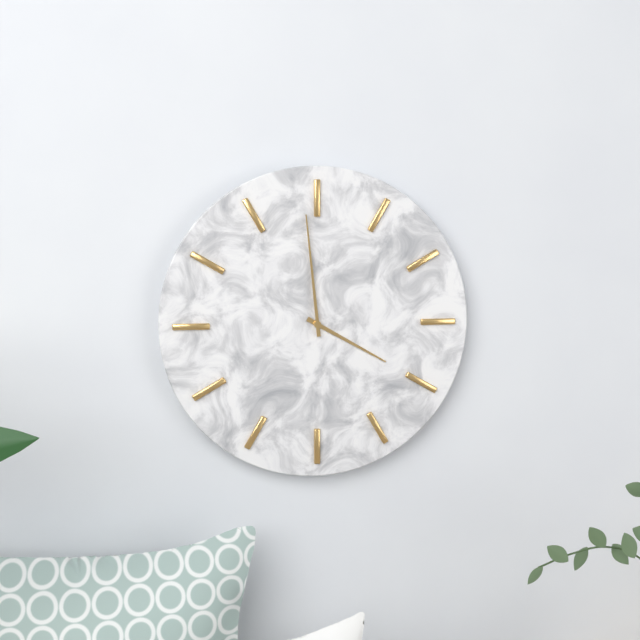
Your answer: **3:59**
